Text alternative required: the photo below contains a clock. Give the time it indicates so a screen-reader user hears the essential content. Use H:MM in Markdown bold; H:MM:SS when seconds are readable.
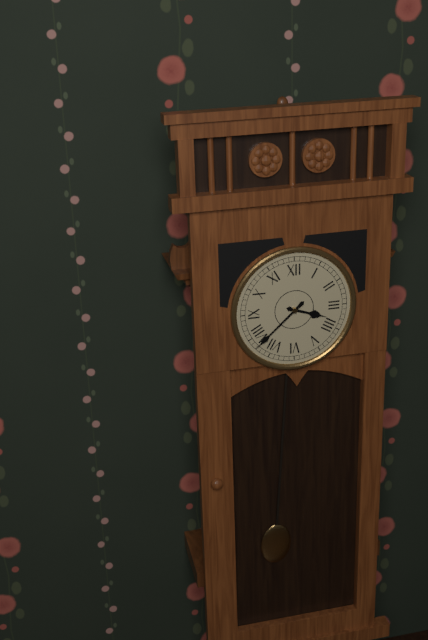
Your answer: **3:38**
